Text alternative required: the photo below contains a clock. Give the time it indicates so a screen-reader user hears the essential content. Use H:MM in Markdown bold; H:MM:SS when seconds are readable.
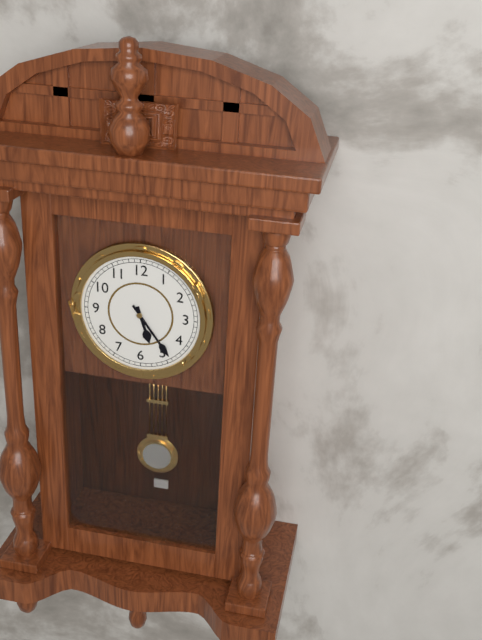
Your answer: **5:24**
